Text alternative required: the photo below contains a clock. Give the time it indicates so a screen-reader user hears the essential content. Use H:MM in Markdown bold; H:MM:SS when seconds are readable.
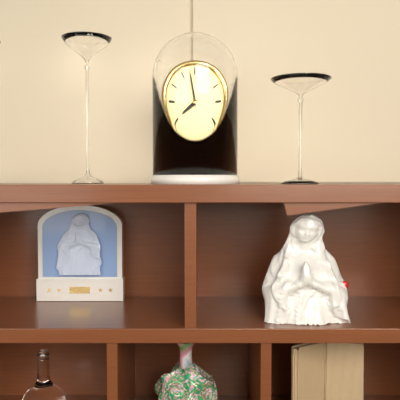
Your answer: **7:58**
